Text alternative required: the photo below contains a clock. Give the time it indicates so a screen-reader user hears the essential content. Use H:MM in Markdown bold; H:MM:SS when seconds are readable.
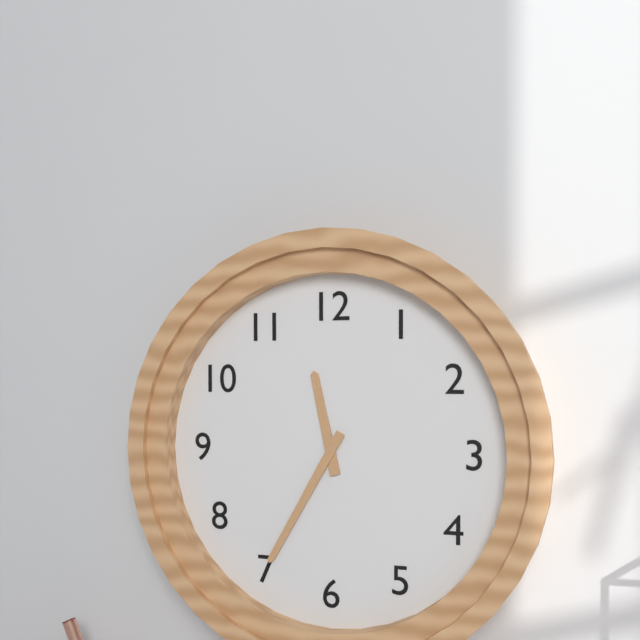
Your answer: **11:35**
